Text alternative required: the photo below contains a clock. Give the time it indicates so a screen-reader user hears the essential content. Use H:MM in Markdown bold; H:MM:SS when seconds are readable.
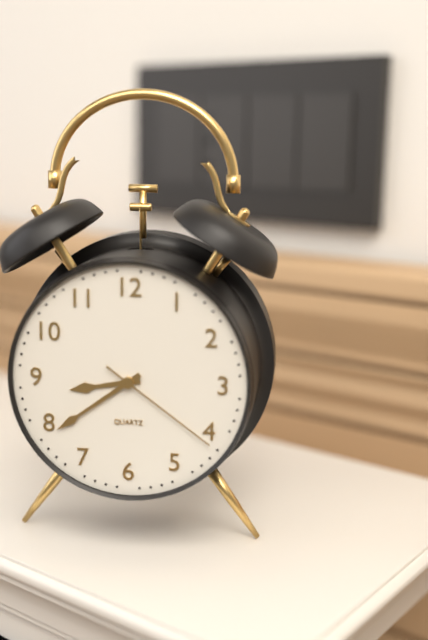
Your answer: **8:39:21**
